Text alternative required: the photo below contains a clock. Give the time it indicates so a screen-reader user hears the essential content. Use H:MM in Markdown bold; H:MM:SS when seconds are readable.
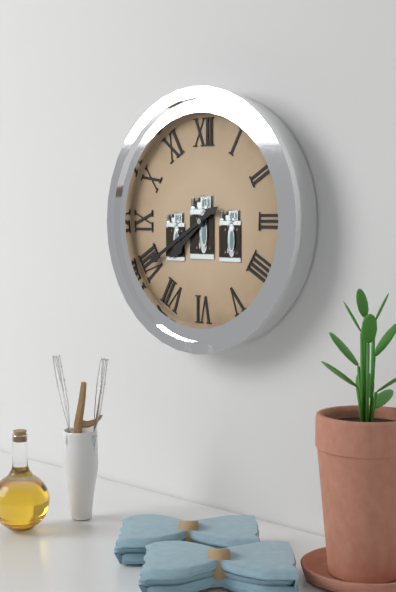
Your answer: **7:40**
